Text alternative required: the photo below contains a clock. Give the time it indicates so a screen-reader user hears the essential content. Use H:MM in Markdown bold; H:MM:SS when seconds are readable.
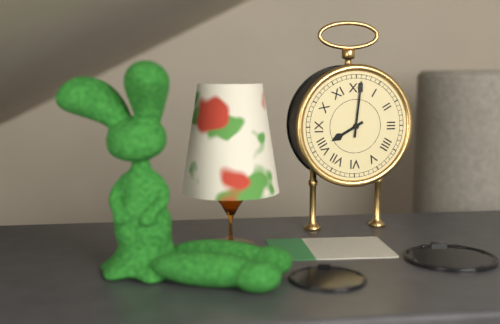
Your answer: **8:01**
